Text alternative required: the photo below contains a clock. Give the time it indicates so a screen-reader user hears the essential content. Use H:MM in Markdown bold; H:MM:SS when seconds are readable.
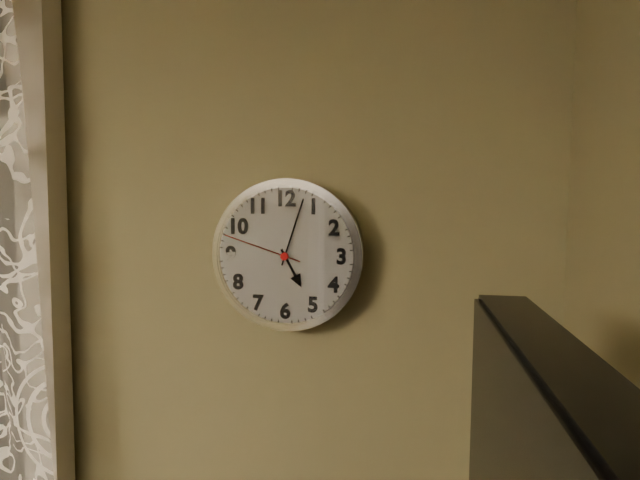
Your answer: **5:03:48**
